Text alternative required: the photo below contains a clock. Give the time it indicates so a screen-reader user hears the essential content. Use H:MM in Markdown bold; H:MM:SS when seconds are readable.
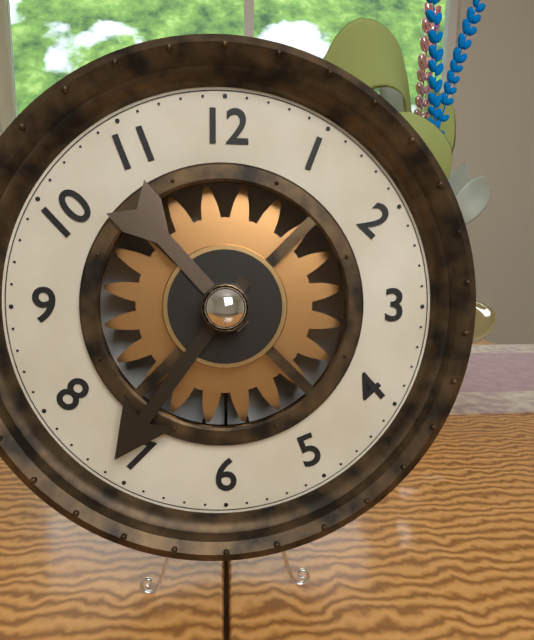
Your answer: **10:36**
